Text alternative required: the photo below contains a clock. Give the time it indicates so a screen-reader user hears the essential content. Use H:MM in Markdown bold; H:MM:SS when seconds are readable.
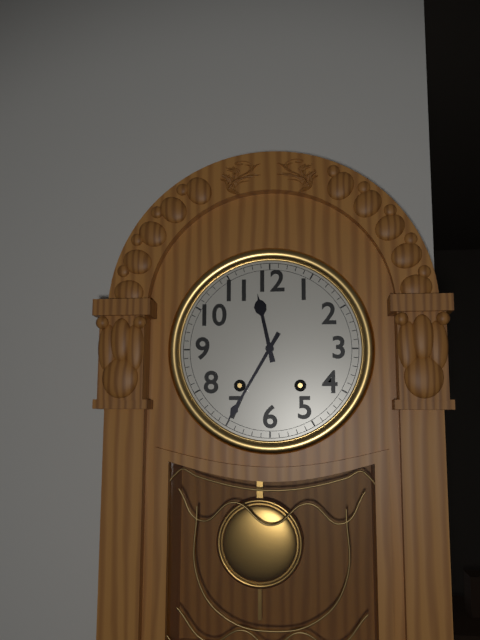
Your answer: **11:35**
